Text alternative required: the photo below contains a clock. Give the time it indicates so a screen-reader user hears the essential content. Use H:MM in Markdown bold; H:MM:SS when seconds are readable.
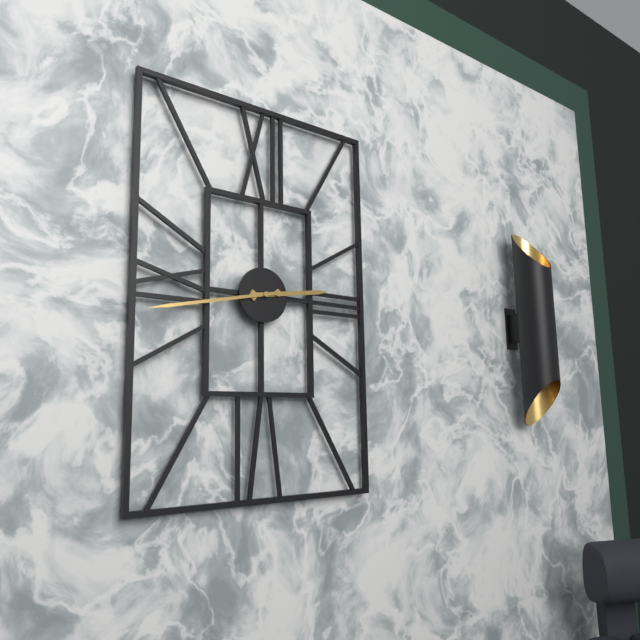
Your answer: **2:43**
